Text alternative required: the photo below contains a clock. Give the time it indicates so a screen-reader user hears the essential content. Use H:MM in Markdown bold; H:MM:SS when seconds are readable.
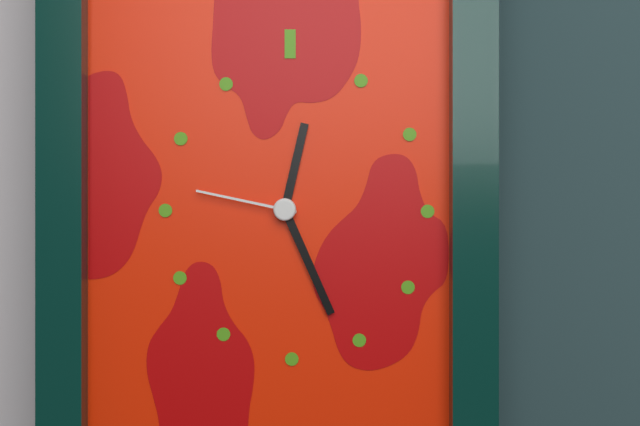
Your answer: **12:26:47**
